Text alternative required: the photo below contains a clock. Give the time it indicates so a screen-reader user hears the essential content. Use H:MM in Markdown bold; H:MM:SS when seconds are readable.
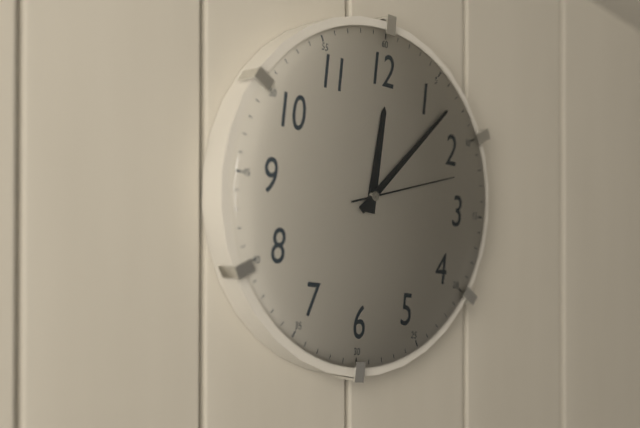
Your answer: **12:07:12**
